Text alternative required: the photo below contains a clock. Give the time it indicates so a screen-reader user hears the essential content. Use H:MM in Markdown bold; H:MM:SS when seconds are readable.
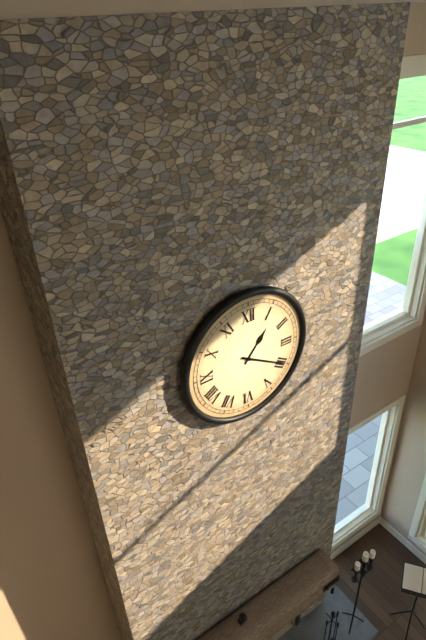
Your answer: **1:20**
